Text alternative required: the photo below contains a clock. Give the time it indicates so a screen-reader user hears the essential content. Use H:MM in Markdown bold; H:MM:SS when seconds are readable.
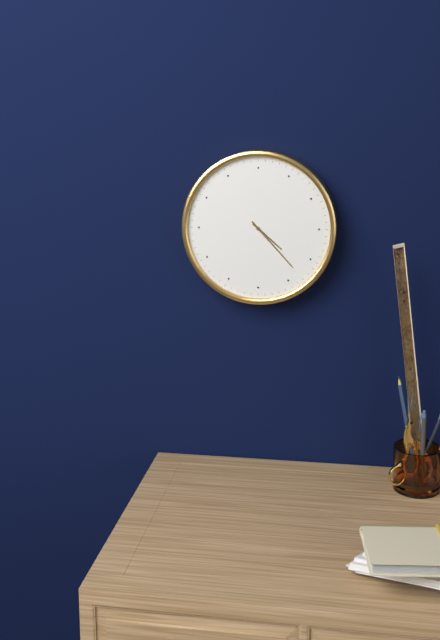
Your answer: **4:23**
